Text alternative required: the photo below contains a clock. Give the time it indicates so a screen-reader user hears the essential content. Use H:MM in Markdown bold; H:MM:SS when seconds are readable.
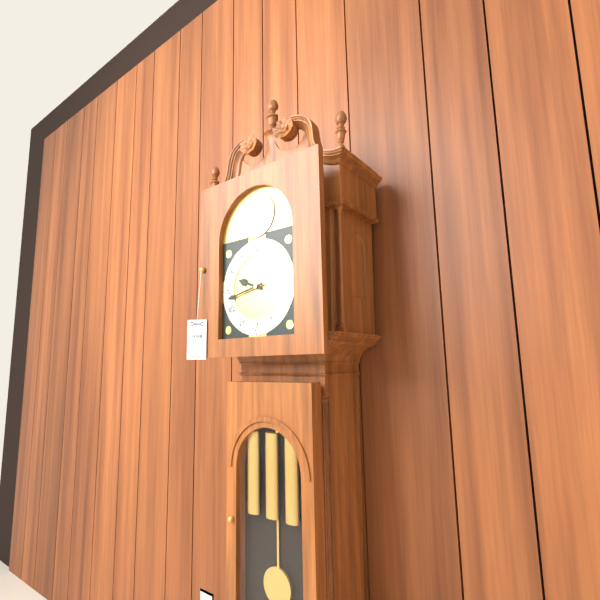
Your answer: **9:43**
